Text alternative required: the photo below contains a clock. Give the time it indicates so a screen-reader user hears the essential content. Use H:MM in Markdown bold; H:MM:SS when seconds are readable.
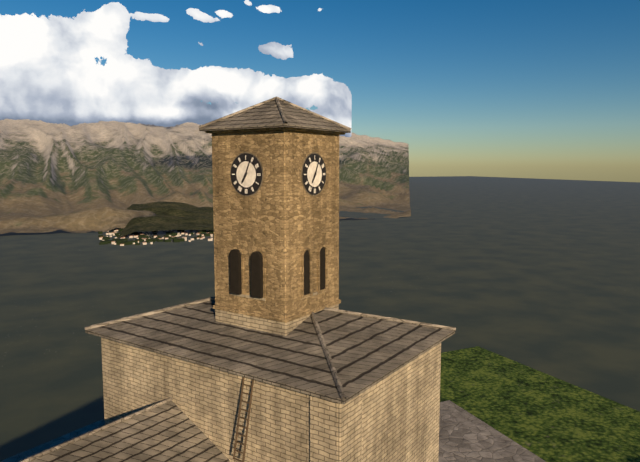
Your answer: **7:04**
